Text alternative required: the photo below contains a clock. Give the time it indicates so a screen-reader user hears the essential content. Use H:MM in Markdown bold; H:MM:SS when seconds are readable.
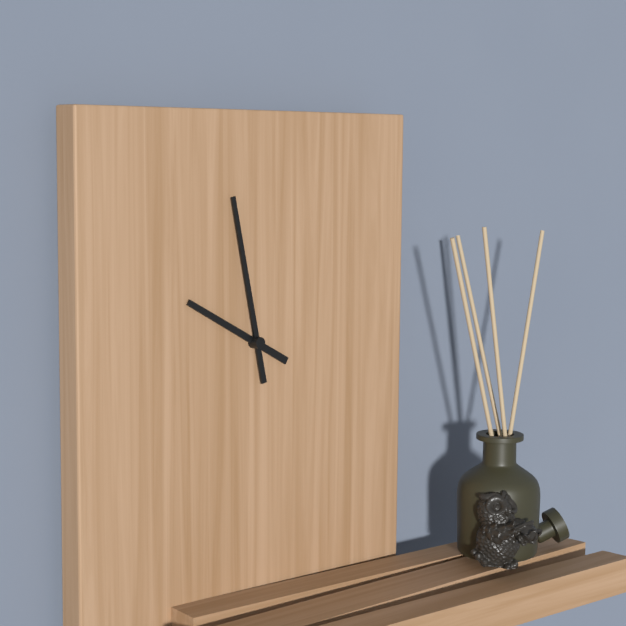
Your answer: **9:58**
